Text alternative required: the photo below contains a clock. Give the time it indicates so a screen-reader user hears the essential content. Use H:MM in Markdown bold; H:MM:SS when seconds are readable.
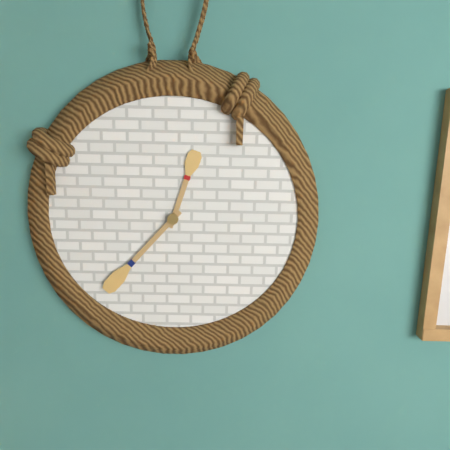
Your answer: **12:37**
